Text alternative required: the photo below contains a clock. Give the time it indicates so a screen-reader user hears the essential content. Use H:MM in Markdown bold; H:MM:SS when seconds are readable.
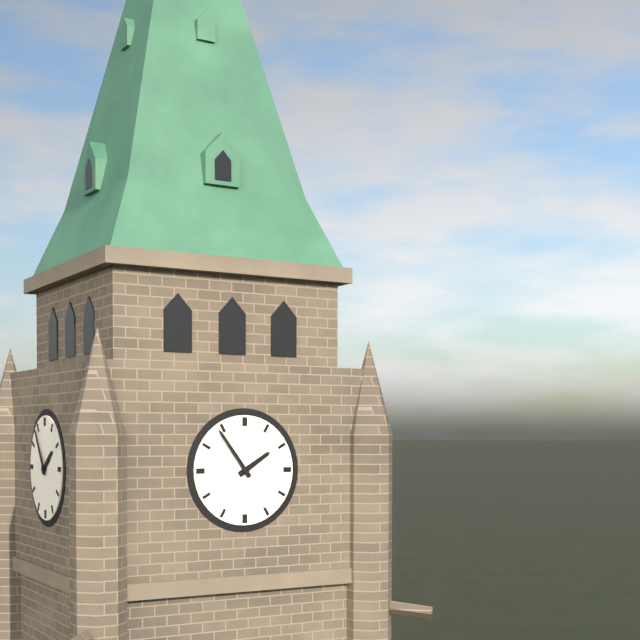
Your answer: **1:54**
